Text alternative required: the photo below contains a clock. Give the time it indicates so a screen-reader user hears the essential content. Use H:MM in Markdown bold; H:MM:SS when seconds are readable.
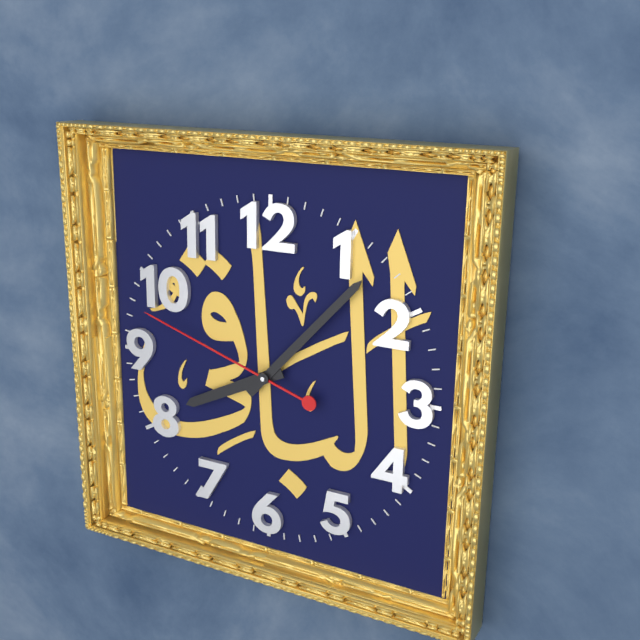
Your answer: **8:07:48**
